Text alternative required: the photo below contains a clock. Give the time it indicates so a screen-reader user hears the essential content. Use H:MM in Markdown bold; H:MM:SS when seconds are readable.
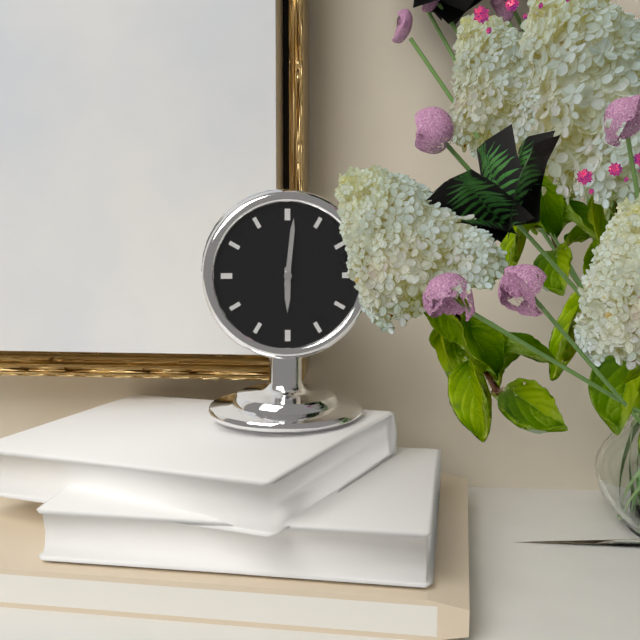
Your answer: **6:01**
